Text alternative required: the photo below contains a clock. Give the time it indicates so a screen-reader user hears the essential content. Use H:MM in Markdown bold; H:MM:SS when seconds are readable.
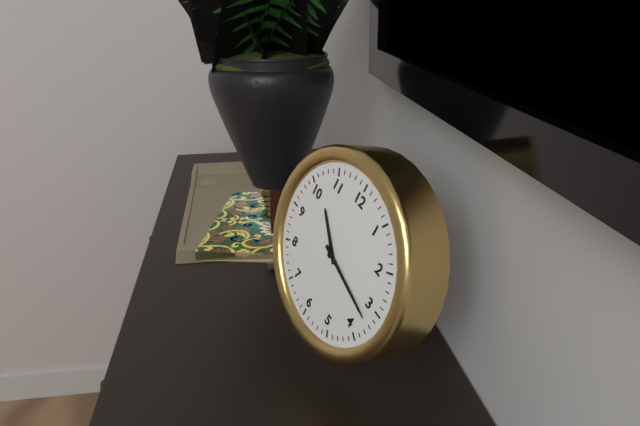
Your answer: **10:17**
